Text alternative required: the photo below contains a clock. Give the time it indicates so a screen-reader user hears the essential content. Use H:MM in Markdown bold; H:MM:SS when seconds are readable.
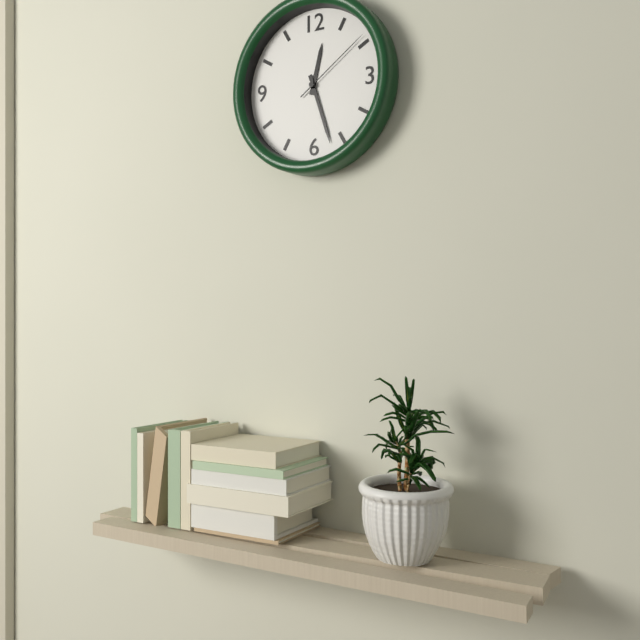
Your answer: **12:27:09**
